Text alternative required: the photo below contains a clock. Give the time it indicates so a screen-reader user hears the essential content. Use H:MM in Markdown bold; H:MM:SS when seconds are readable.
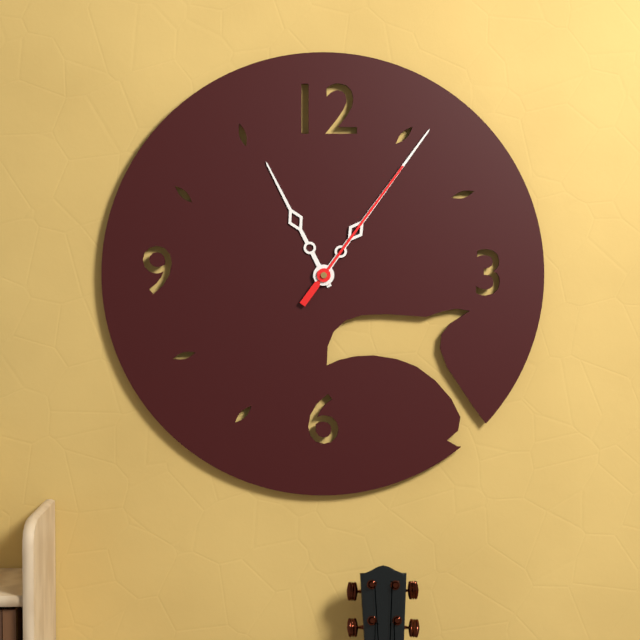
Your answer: **11:06:06**
